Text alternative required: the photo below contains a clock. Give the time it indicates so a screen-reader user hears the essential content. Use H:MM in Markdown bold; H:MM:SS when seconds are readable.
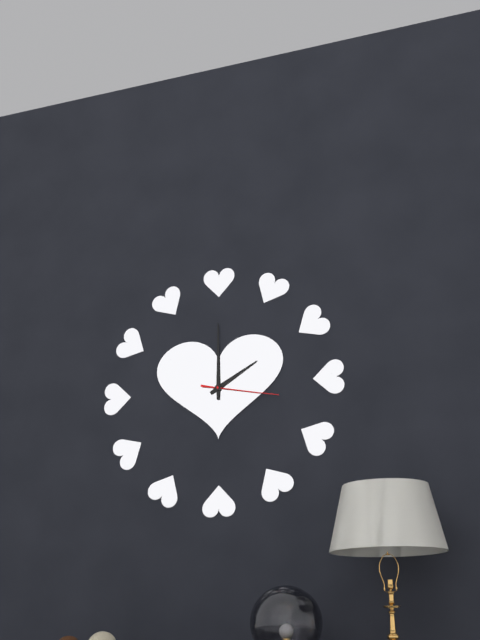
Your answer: **2:00:17**
